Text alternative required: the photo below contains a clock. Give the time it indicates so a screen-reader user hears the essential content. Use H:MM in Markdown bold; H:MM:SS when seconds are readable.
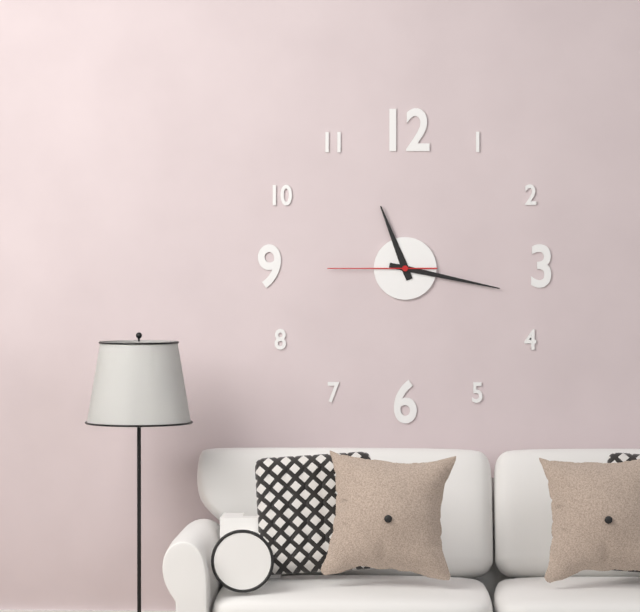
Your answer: **11:17:45**
